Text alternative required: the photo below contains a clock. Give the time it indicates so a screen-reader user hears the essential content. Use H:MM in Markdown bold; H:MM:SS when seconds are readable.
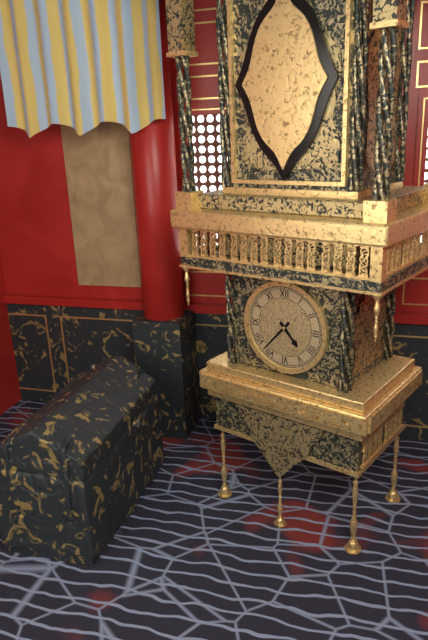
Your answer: **4:37**
